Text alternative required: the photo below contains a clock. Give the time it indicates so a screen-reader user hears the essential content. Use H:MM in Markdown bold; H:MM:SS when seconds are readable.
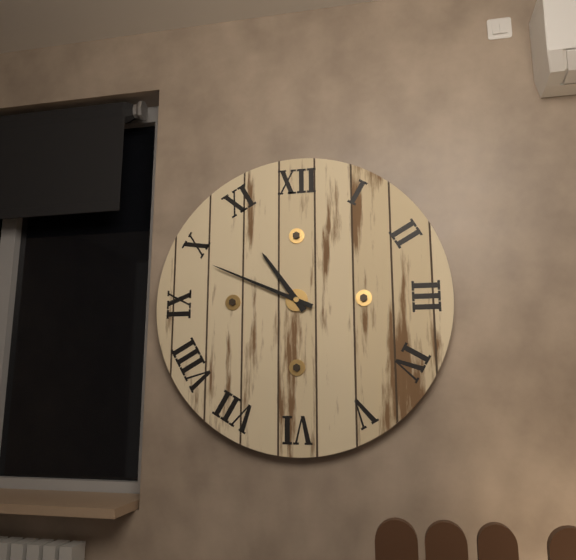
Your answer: **10:49**
